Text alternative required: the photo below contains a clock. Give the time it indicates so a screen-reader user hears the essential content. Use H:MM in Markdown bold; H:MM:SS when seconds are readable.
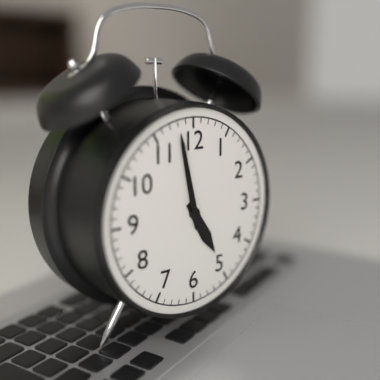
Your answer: **4:58**
